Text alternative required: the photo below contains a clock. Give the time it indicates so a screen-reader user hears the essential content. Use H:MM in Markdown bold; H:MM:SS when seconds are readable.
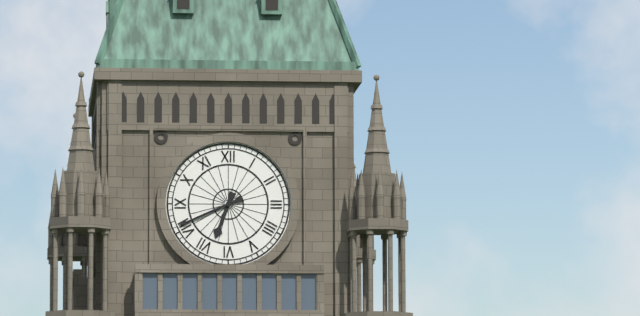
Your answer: **6:41**
